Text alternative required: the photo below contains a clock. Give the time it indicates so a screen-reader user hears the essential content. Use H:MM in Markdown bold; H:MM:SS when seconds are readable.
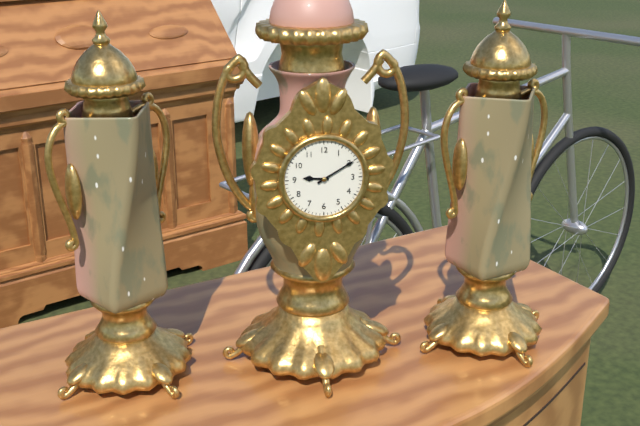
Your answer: **9:10**
